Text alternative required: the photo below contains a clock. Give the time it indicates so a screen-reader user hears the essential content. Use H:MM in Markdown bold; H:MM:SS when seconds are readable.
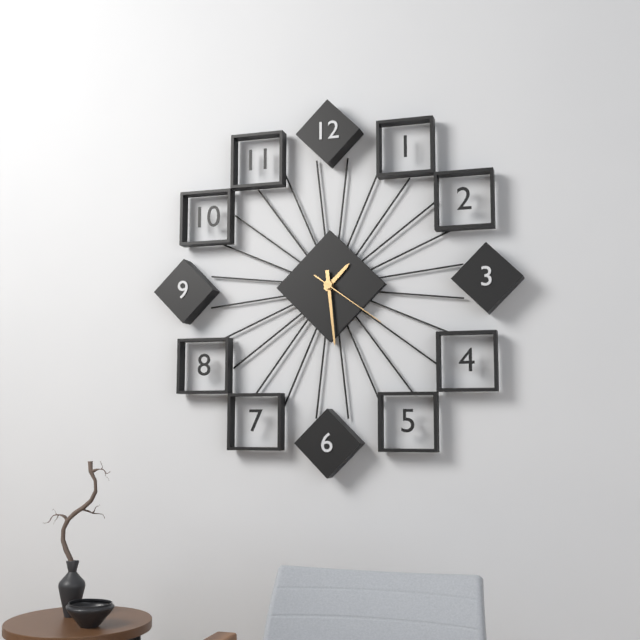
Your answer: **1:29:21**
